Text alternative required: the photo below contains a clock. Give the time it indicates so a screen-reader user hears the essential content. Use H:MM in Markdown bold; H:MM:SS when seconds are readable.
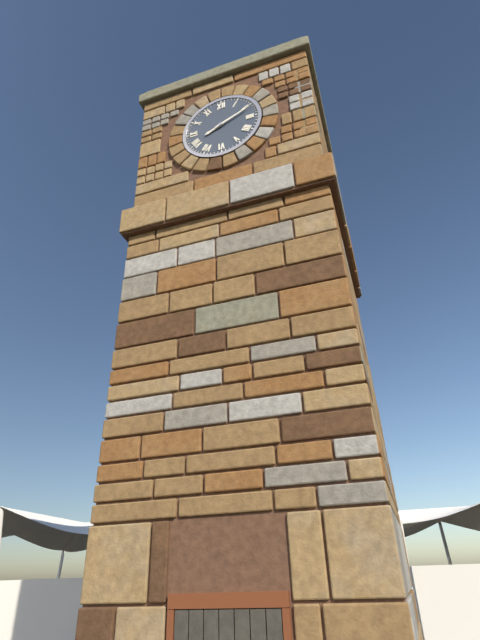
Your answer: **8:11**
